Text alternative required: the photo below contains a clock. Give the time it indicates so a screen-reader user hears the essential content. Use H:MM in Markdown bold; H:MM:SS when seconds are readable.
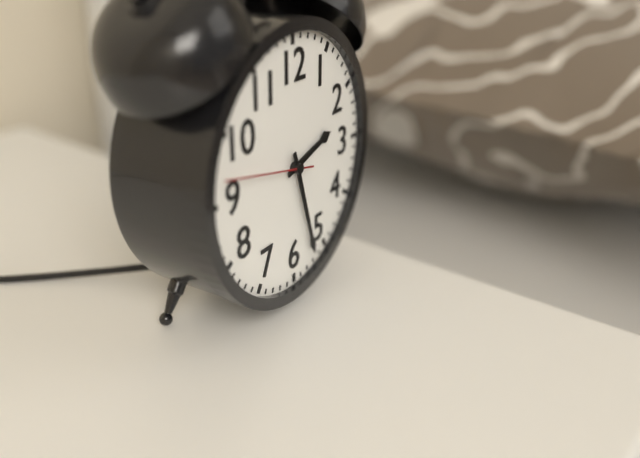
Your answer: **2:27:47**
